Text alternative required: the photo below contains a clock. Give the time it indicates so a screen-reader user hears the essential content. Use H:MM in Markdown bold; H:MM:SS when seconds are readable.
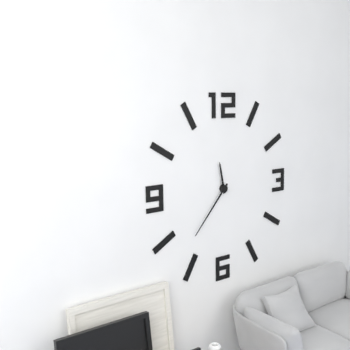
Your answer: **11:37**
